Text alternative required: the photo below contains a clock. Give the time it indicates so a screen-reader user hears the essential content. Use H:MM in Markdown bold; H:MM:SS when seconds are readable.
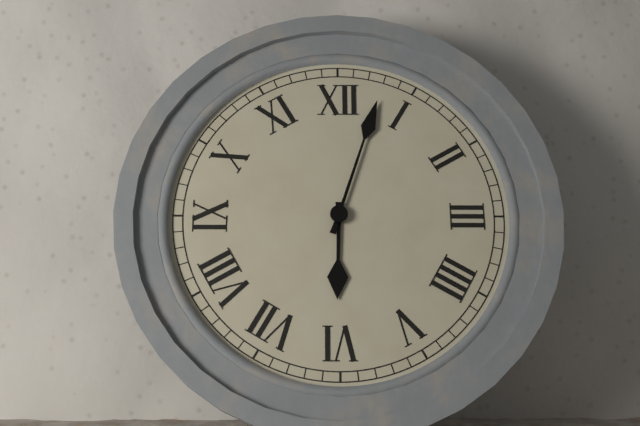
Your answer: **6:03**
